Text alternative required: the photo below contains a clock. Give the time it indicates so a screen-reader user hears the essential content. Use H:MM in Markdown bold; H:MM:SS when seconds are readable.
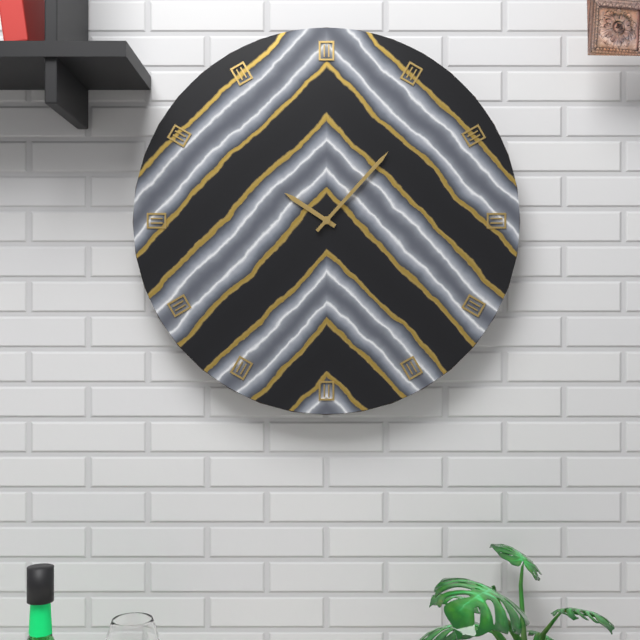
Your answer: **10:07**
